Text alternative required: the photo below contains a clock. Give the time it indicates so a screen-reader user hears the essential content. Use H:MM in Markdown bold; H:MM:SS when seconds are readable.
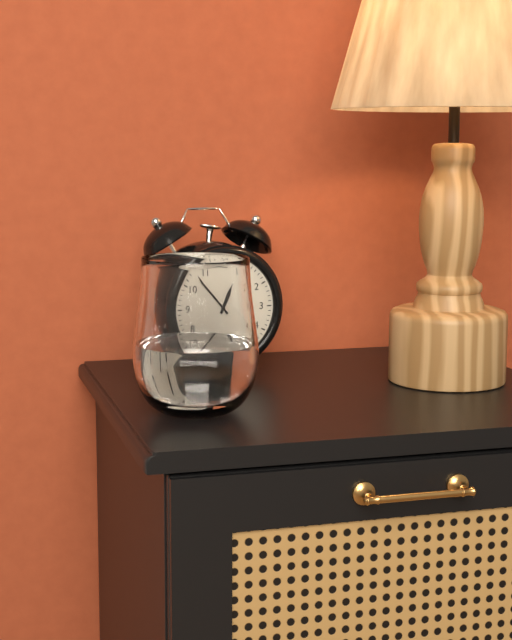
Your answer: **12:53**
